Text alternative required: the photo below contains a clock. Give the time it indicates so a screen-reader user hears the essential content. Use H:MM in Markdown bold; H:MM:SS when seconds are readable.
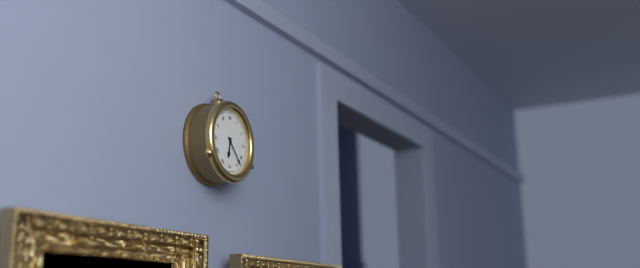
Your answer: **6:23**
